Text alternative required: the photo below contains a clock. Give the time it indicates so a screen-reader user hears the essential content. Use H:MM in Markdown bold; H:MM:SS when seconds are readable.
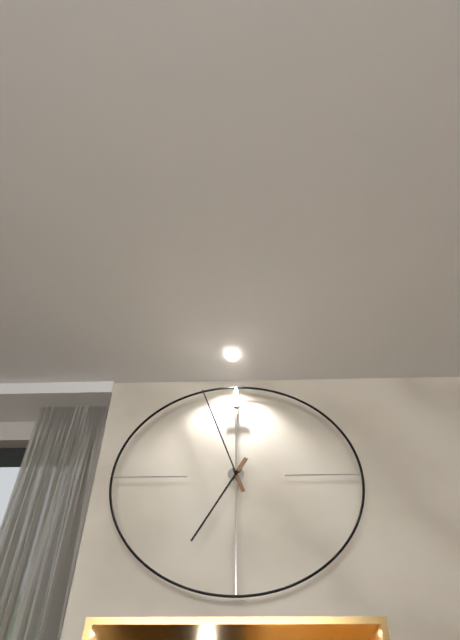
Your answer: **6:57**
